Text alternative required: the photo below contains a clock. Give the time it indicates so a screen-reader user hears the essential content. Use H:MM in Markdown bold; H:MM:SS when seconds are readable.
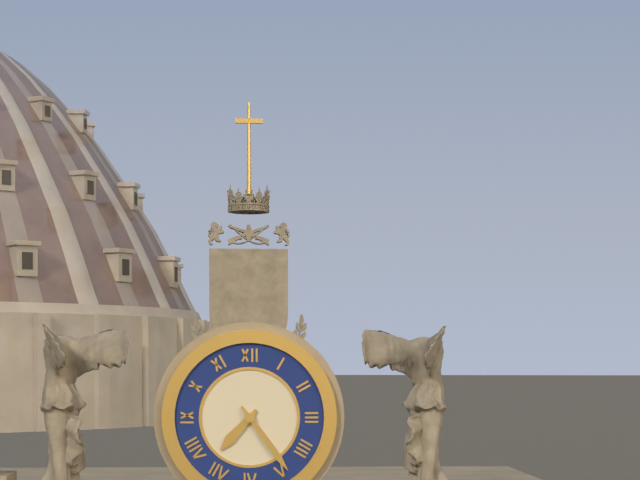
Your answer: **7:24**
